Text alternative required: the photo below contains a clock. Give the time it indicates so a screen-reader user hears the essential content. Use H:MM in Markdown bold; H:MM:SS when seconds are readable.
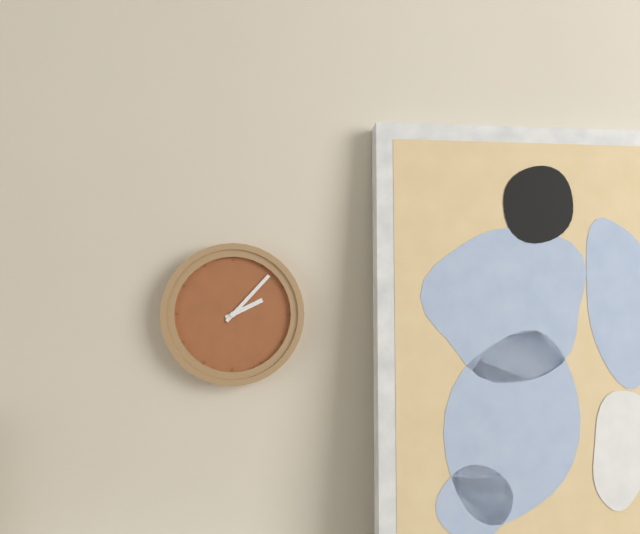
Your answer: **2:07**
